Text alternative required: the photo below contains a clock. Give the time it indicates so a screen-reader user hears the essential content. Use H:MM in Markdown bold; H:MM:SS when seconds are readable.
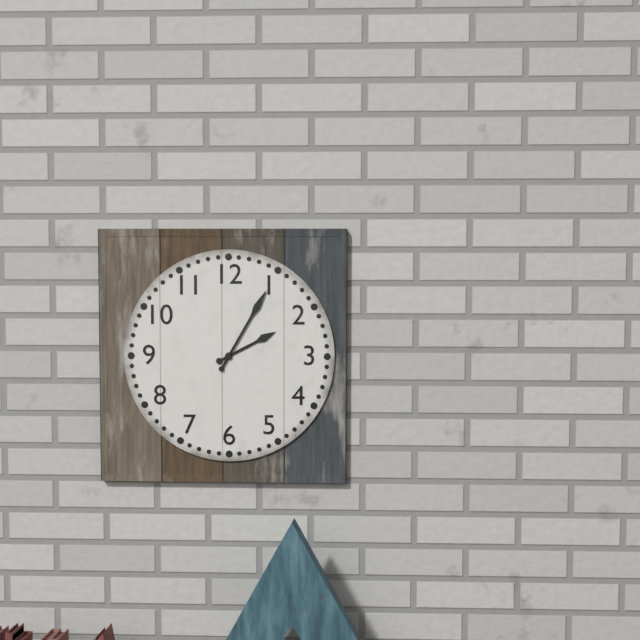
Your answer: **2:05**
